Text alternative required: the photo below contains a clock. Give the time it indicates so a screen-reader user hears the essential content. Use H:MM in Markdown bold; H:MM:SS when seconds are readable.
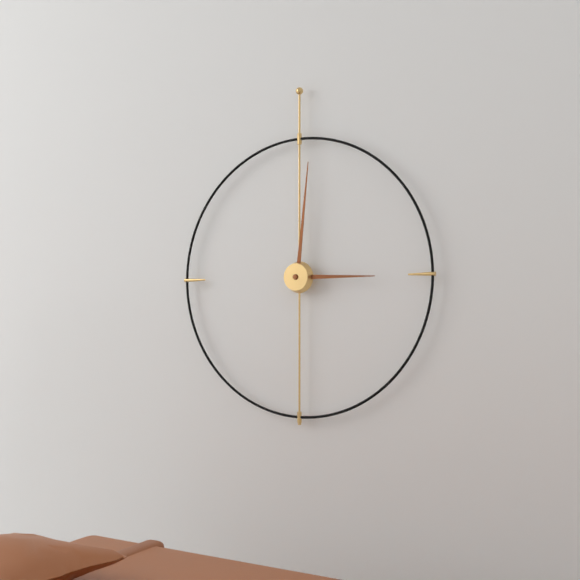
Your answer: **3:01**
